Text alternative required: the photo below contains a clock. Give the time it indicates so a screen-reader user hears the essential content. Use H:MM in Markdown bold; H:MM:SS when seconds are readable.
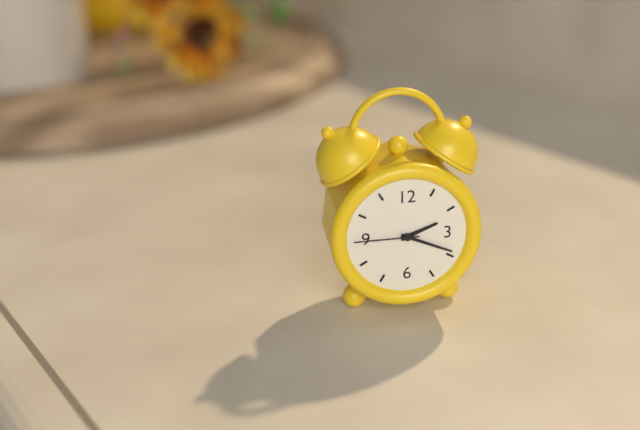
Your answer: **2:19:45**
